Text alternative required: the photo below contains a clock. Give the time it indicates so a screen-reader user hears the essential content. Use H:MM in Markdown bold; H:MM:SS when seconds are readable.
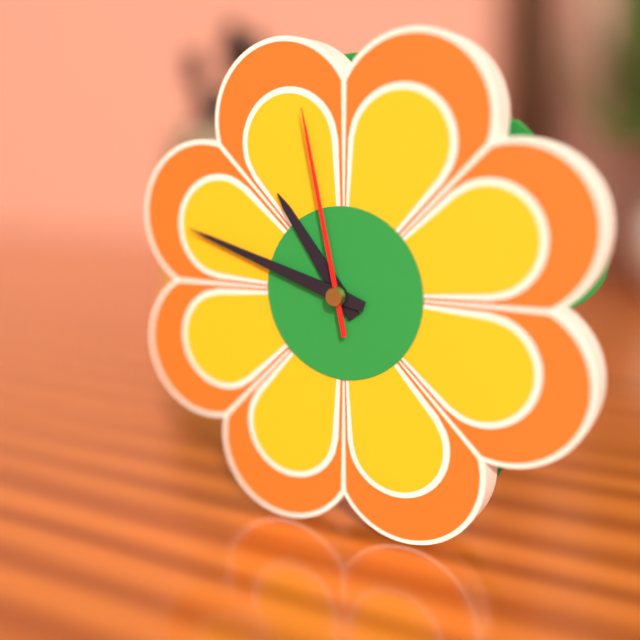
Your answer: **10:48:58**
